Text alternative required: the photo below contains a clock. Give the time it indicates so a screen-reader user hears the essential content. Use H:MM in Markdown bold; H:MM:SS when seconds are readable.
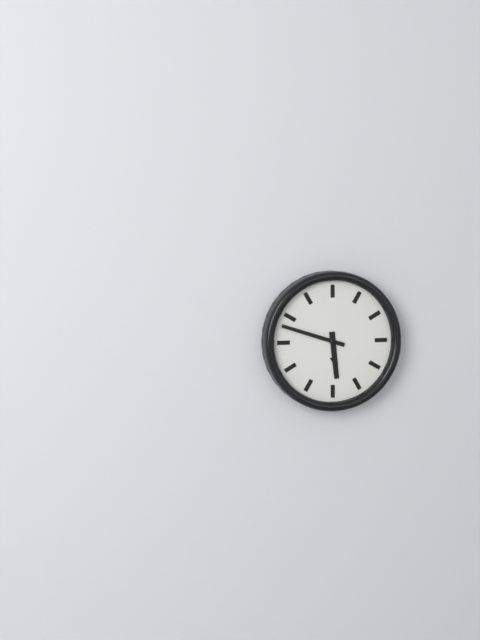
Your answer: **5:48**
